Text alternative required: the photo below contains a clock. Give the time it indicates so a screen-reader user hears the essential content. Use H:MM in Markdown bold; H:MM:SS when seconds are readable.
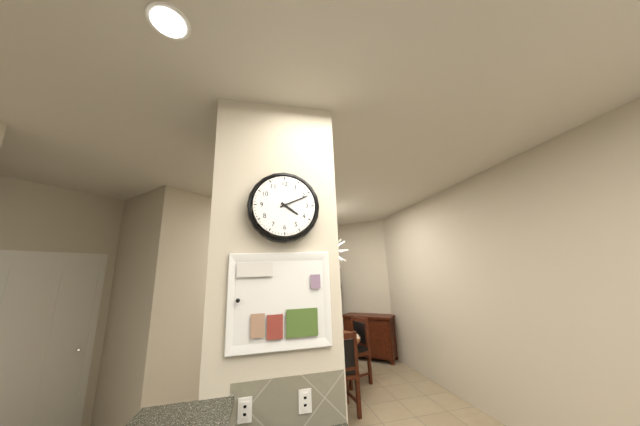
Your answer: **4:11**
